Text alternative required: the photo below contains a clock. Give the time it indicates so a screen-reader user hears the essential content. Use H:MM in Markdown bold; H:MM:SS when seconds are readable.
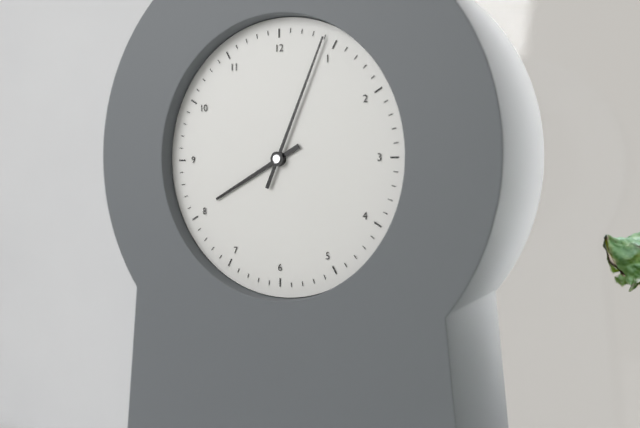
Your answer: **8:04**
